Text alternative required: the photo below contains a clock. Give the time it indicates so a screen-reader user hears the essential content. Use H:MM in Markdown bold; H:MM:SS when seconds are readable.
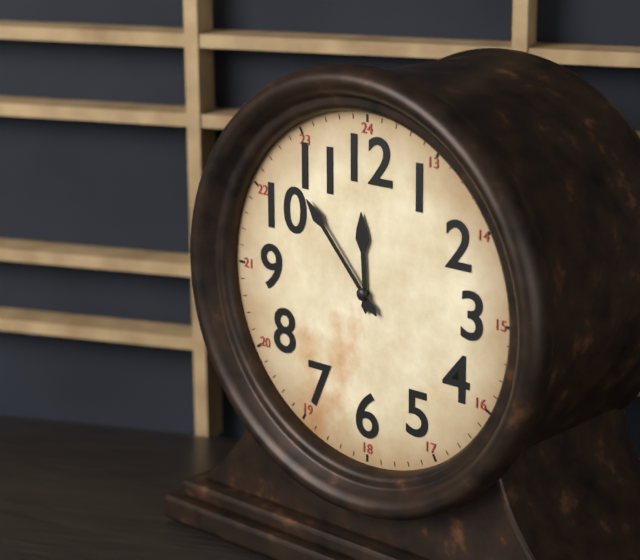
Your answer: **11:53**
